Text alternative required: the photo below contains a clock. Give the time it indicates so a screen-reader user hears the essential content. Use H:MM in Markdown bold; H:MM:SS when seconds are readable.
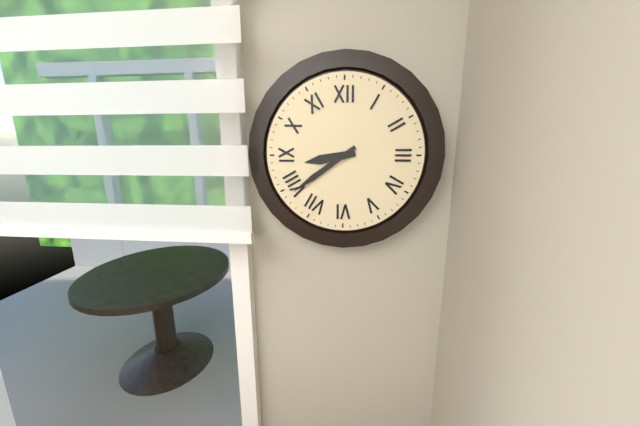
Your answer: **8:39**
